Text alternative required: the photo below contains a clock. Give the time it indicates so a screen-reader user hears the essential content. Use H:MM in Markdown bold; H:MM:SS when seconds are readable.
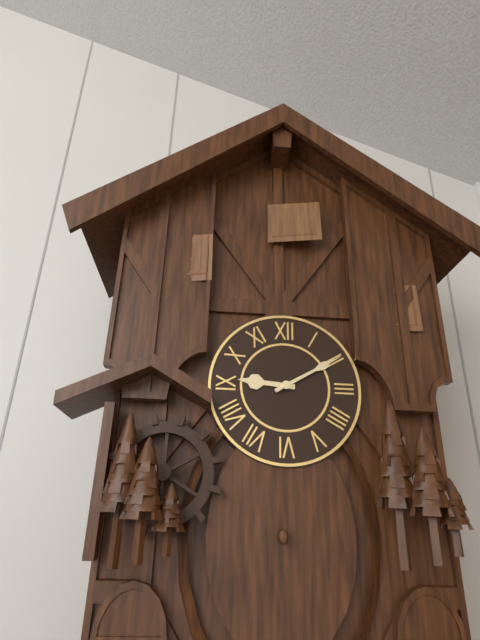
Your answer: **9:10**
